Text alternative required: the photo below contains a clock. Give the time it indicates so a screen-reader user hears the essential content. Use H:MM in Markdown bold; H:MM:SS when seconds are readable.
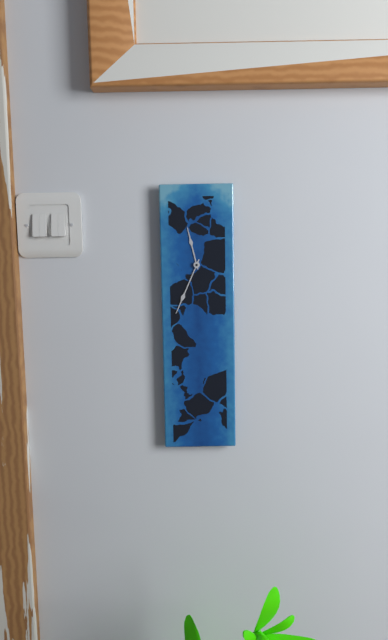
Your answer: **11:34**
